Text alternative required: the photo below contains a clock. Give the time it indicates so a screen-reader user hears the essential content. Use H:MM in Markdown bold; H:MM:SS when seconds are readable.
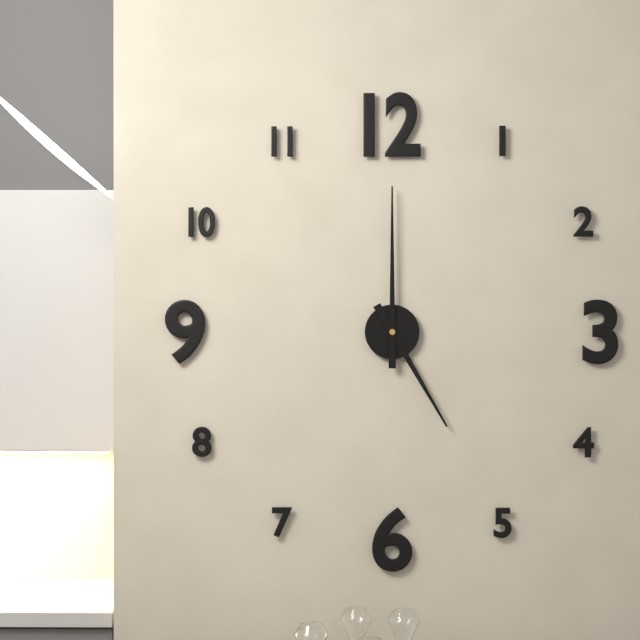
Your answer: **5:00**
